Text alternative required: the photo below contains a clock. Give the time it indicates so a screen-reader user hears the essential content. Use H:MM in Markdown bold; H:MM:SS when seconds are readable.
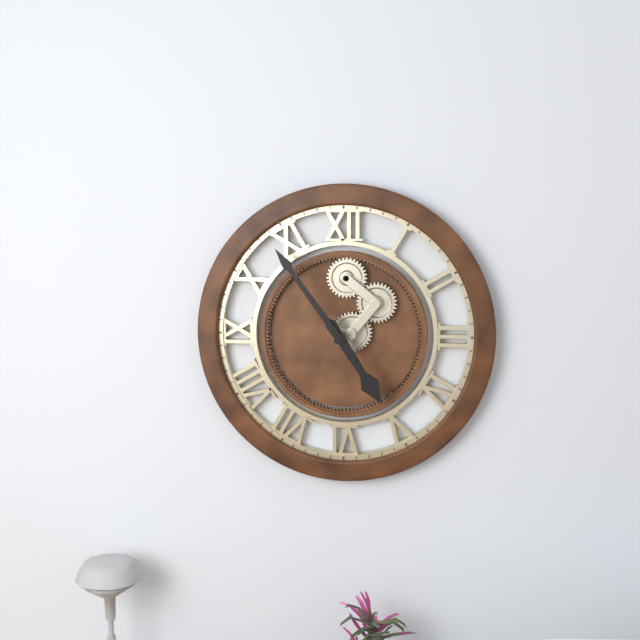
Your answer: **4:54**
